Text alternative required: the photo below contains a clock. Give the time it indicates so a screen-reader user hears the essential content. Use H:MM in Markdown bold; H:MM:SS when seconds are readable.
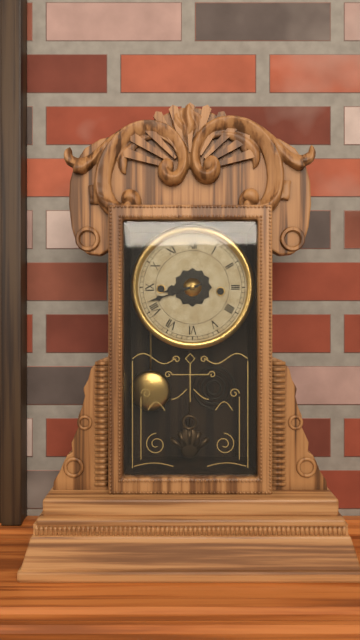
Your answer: **8:42**
